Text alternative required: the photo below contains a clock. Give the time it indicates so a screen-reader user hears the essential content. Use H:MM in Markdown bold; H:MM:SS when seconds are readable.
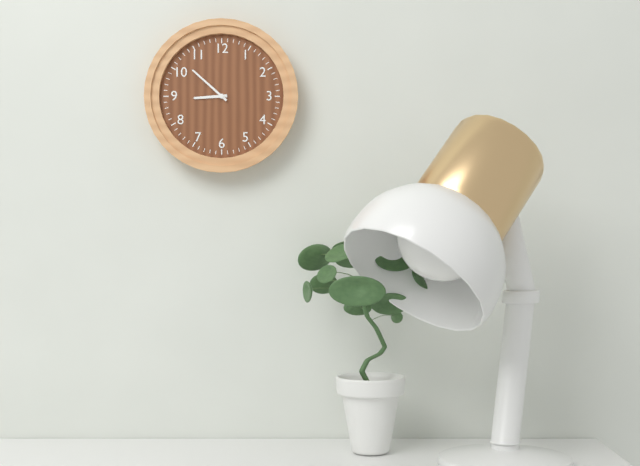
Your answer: **8:52**
